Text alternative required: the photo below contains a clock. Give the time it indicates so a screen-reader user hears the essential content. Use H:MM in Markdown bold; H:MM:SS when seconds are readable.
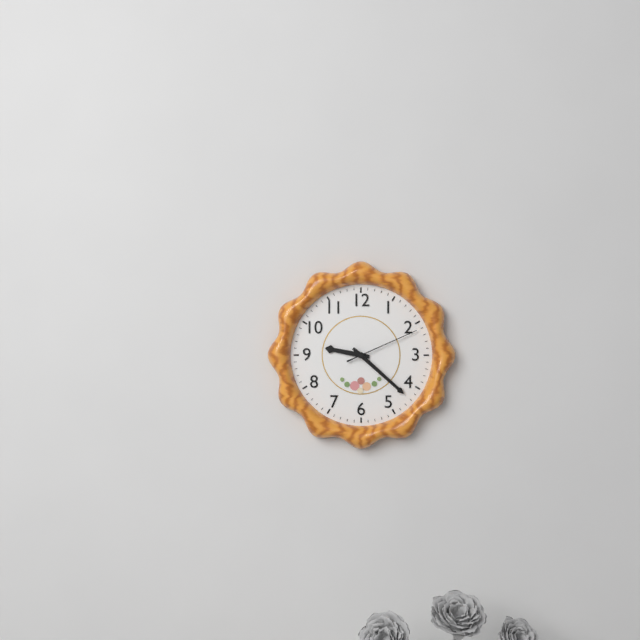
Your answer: **9:22:11**
